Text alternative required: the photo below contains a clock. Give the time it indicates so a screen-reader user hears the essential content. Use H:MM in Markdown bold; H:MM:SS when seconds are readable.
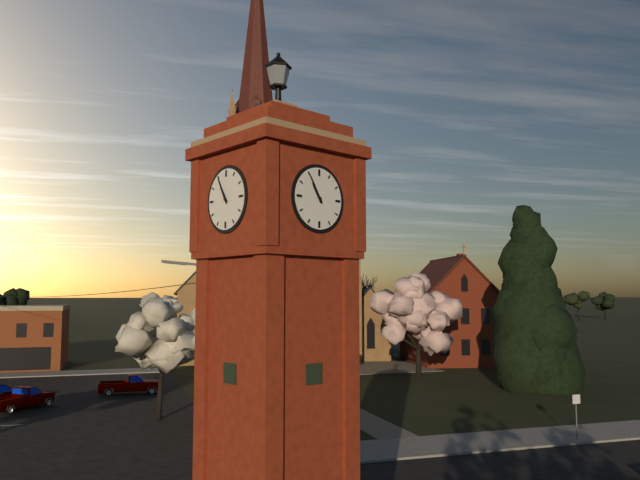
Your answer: **10:55**
